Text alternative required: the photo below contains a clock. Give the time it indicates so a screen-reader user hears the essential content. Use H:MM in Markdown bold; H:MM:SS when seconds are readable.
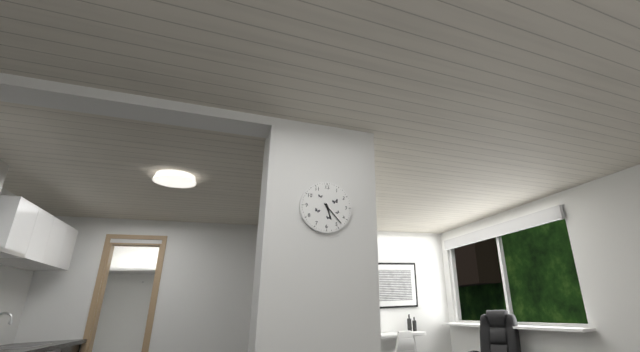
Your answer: **5:23**
